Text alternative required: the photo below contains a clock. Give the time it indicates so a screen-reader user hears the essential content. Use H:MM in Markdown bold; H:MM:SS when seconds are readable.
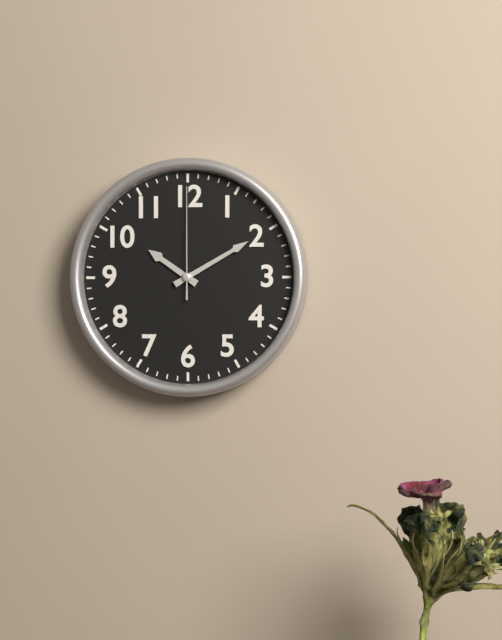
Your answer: **10:10:00**
